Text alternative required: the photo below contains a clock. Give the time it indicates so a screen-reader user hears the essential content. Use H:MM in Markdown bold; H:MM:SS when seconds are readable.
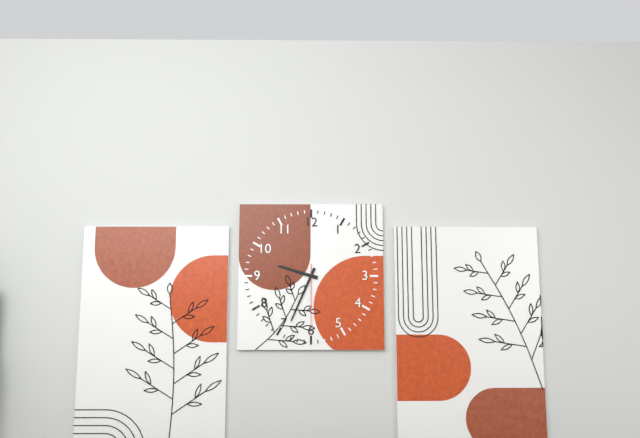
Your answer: **9:34:30**
